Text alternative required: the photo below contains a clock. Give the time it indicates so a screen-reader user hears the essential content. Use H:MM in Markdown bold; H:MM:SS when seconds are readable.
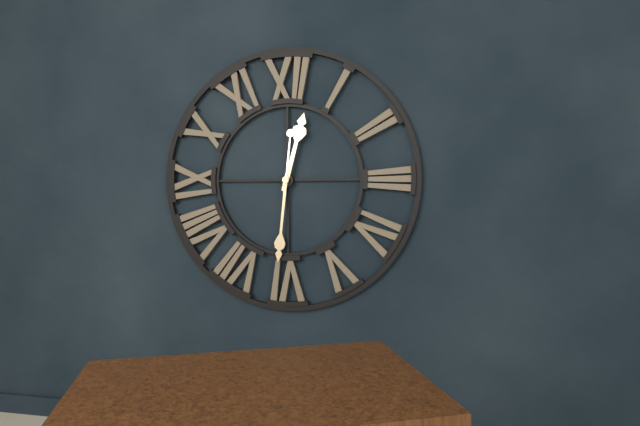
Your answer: **12:31**
